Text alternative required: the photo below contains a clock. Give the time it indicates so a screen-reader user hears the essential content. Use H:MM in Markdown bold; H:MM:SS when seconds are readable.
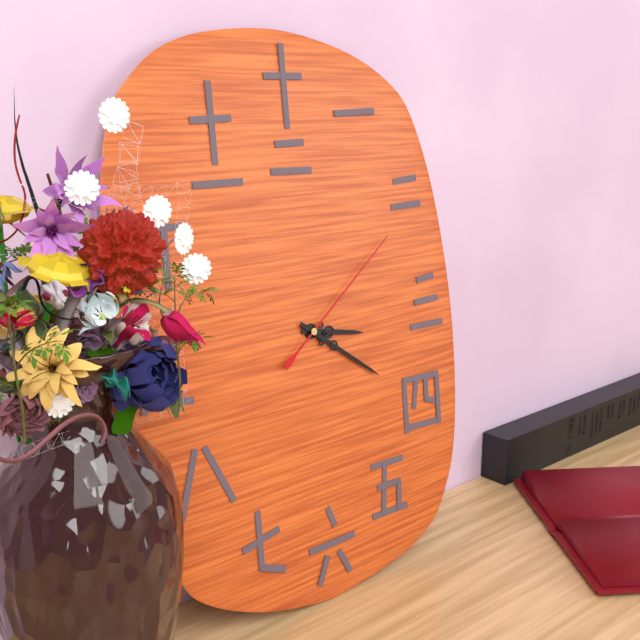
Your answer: **3:21:09**
